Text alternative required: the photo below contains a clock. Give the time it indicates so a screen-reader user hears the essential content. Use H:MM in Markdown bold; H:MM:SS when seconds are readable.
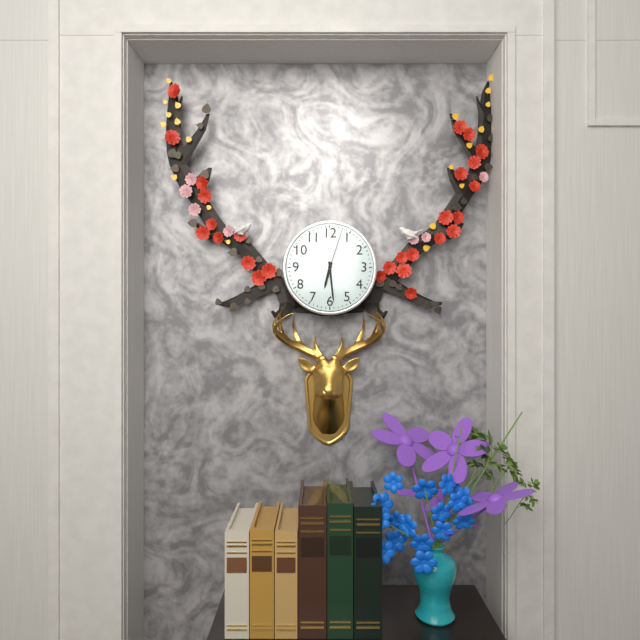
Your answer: **6:29**
